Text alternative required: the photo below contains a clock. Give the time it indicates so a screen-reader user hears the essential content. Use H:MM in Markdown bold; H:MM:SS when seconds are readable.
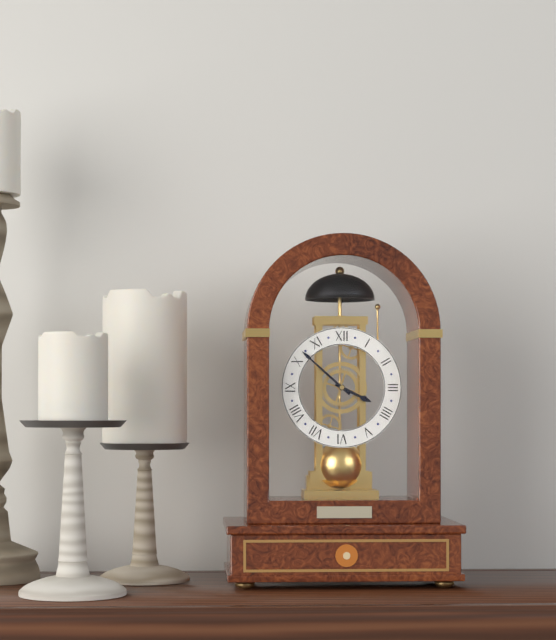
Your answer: **3:52**
